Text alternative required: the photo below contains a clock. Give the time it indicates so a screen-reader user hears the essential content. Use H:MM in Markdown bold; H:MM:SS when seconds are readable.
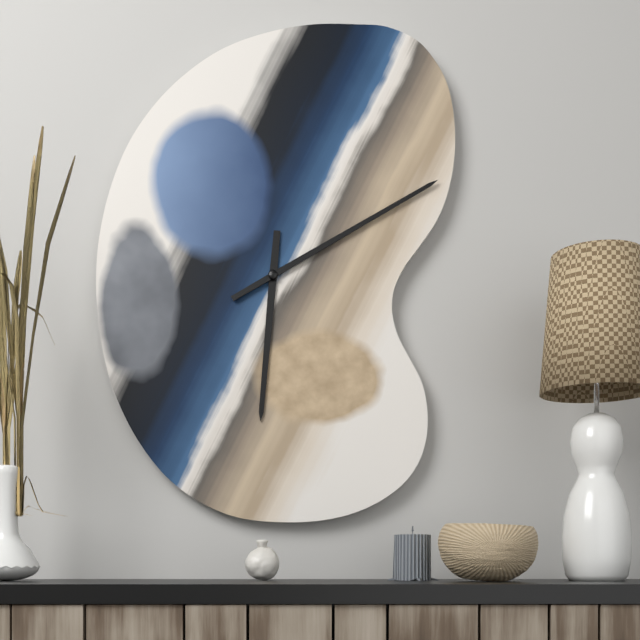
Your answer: **6:10**
